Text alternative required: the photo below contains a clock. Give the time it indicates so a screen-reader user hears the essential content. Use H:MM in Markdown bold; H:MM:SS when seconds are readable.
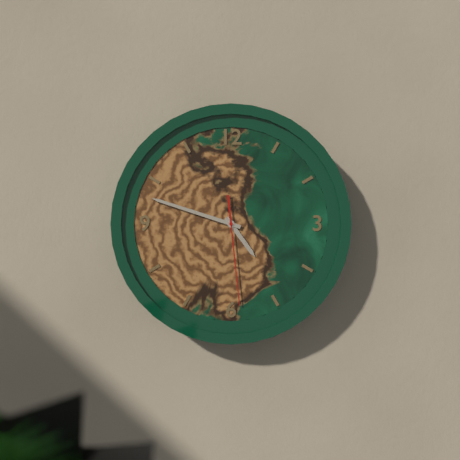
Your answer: **4:48:29**
